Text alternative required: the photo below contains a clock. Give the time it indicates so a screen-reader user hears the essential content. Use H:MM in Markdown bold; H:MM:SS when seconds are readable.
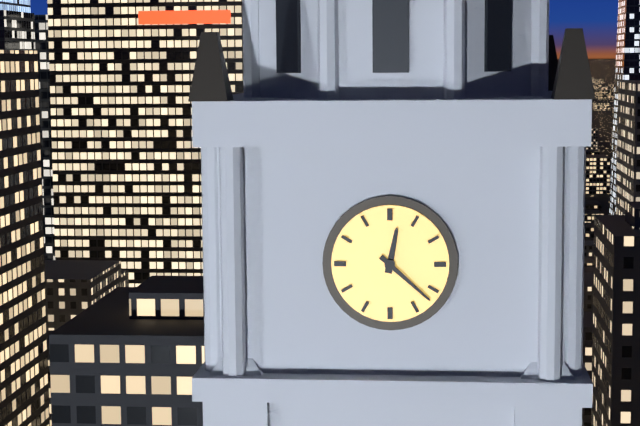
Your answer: **12:22**
